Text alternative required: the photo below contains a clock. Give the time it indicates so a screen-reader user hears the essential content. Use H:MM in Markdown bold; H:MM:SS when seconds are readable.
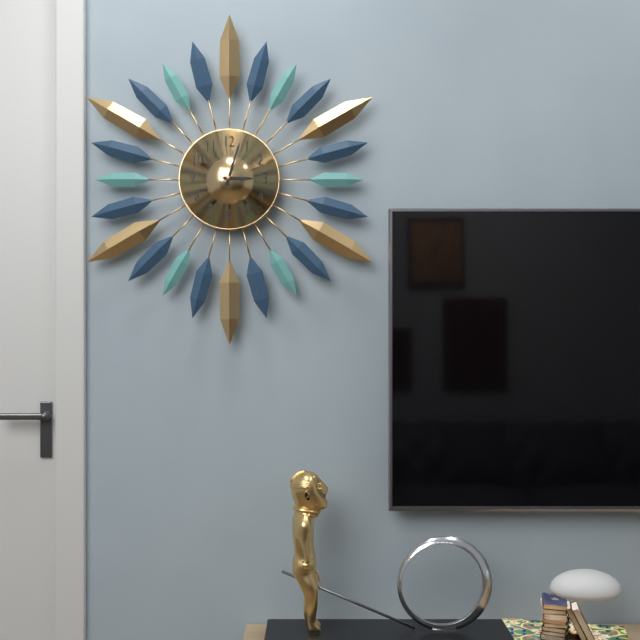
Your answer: **3:03**
